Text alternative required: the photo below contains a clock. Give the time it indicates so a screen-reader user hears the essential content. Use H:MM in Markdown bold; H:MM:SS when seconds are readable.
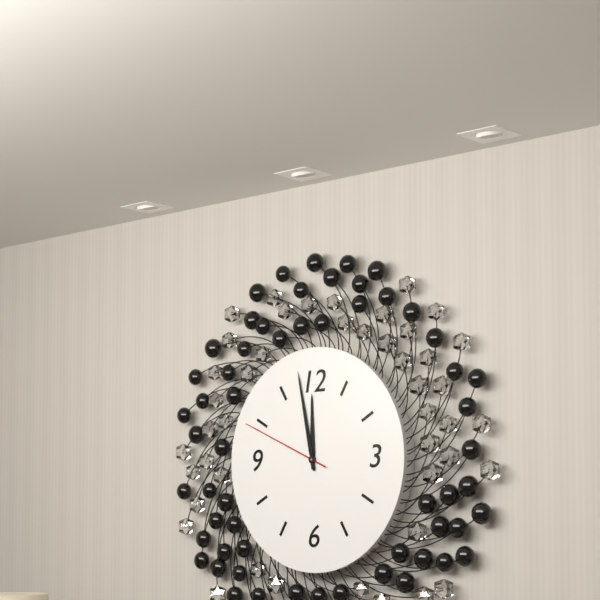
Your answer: **11:58:49**
